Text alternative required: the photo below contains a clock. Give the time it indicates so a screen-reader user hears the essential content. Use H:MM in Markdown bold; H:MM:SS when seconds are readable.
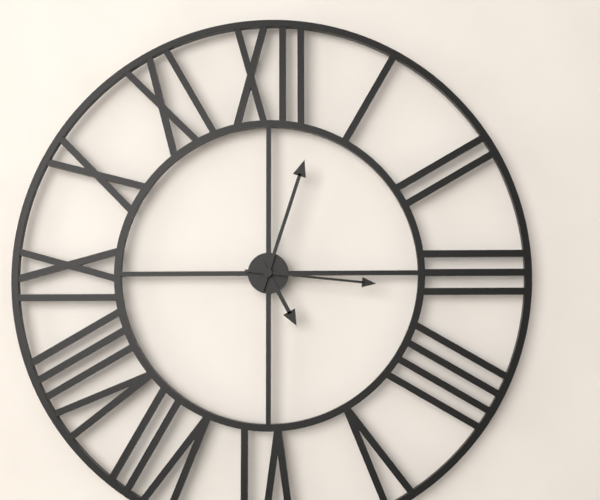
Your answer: **5:03:16**
